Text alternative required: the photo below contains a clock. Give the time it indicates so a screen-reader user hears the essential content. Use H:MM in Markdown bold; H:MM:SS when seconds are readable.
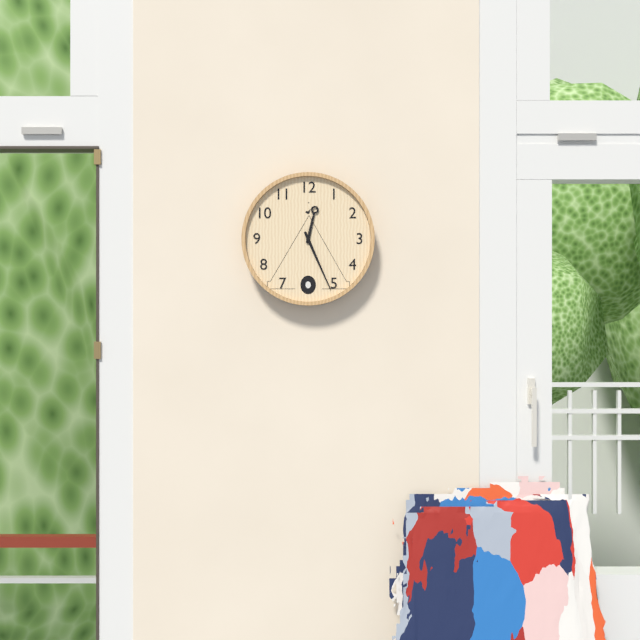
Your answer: **12:26**
